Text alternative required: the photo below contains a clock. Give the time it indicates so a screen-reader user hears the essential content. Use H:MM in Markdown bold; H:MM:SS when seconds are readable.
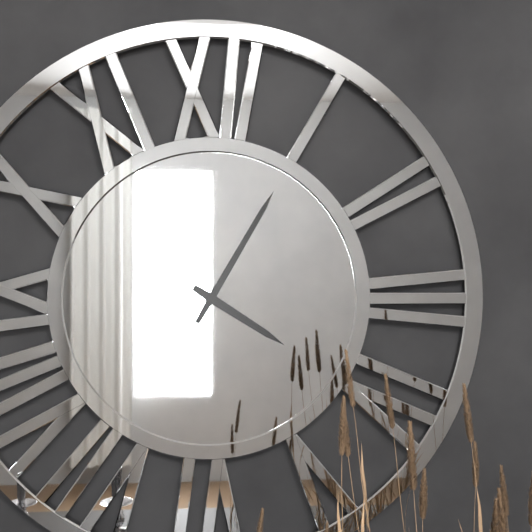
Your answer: **4:05**
